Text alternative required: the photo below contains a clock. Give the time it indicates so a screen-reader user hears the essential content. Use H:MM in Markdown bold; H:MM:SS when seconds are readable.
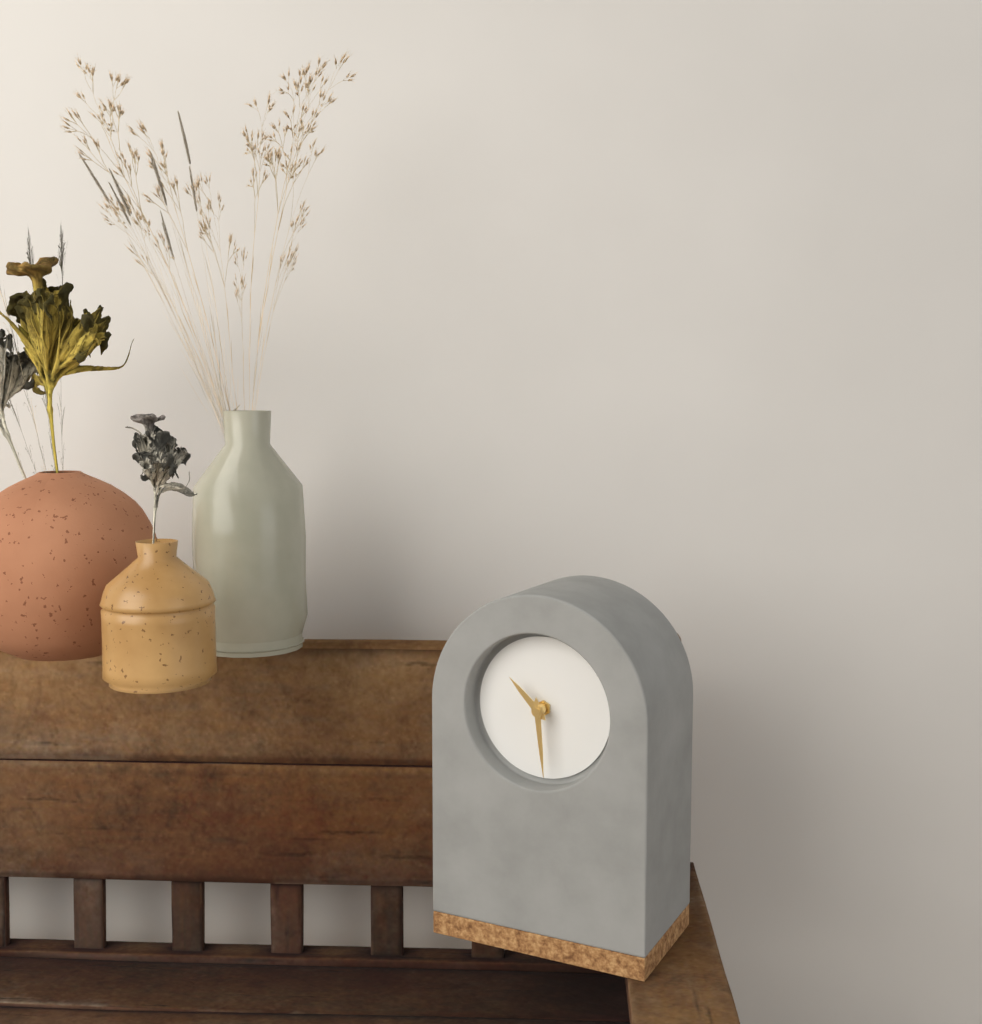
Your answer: **10:29**
